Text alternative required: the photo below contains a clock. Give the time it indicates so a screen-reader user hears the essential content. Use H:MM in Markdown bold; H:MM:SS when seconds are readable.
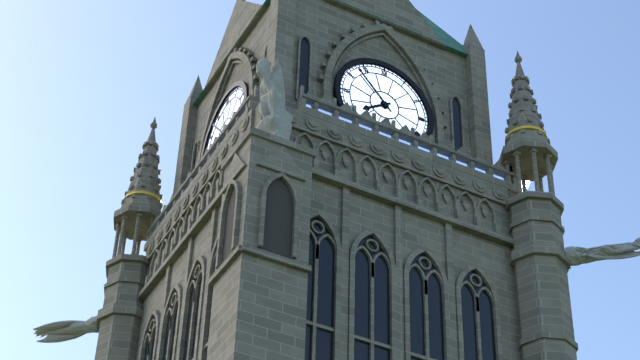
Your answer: **7:53**
